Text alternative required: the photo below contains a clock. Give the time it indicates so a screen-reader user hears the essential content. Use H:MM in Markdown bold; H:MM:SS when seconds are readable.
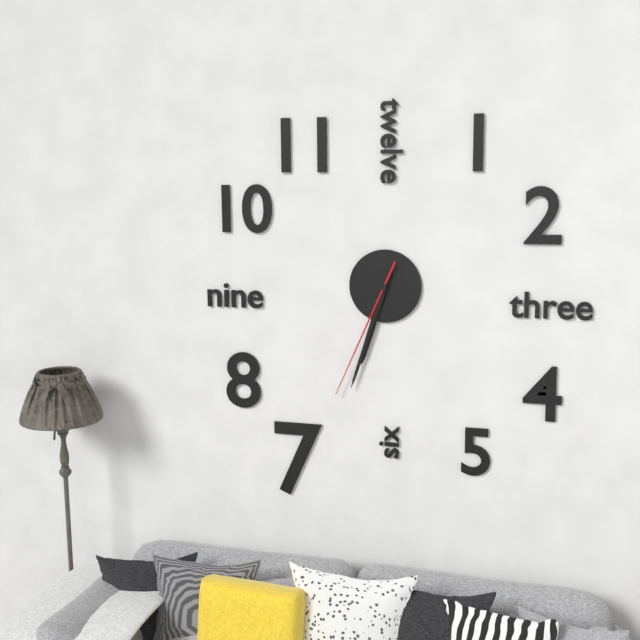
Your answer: **6:33:34**
